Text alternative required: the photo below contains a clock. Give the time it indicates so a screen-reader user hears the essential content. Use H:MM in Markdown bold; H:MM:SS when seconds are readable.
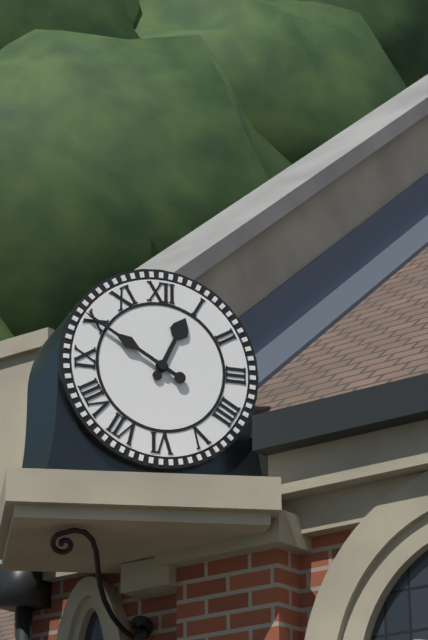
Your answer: **12:50**
